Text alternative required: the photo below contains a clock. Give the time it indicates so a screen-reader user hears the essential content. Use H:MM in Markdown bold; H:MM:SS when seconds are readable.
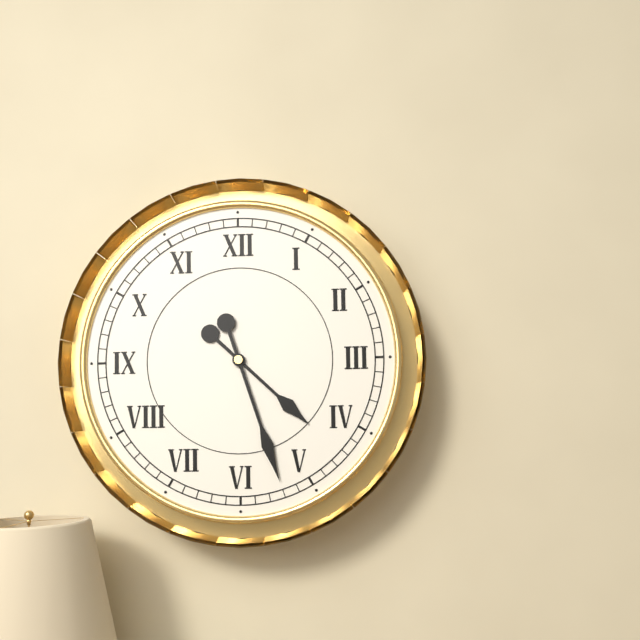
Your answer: **4:27**
